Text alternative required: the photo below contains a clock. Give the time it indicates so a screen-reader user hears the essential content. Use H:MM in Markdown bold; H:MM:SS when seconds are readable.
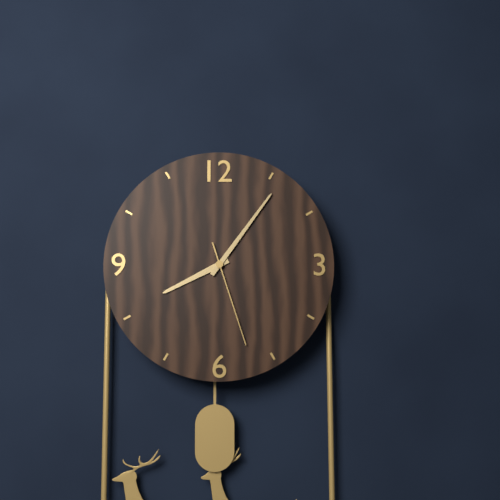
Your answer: **8:06:27**
